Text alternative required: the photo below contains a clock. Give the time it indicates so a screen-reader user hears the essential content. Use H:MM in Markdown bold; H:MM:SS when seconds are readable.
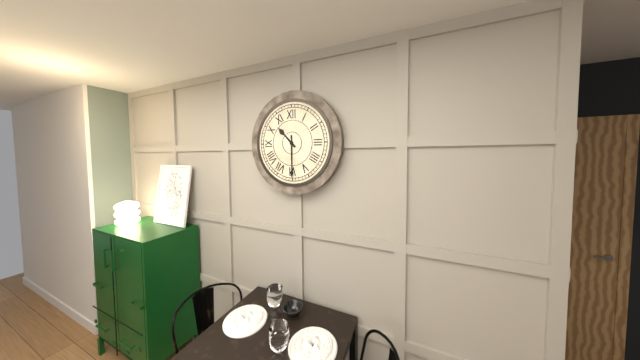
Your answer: **10:30**
